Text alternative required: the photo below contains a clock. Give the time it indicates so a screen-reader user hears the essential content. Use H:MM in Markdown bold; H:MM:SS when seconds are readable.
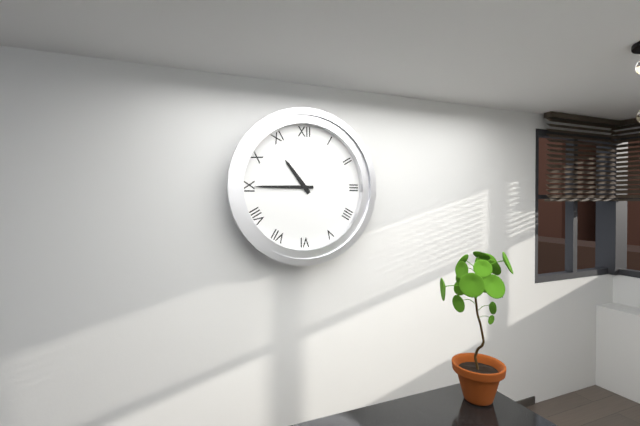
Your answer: **10:45**
